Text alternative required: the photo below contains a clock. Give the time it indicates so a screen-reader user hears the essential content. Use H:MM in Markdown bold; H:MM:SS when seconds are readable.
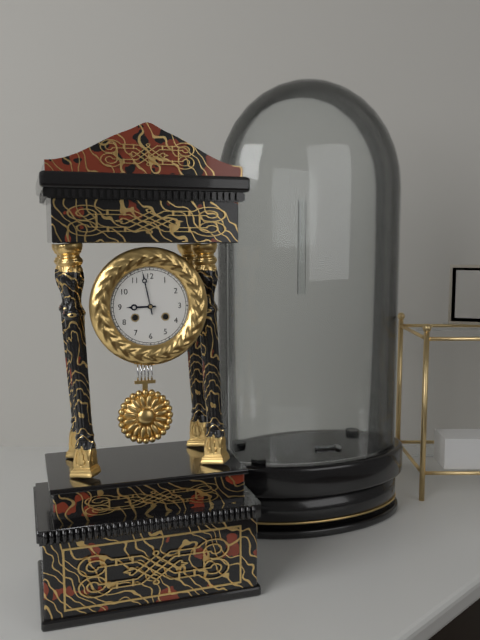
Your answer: **8:58**
